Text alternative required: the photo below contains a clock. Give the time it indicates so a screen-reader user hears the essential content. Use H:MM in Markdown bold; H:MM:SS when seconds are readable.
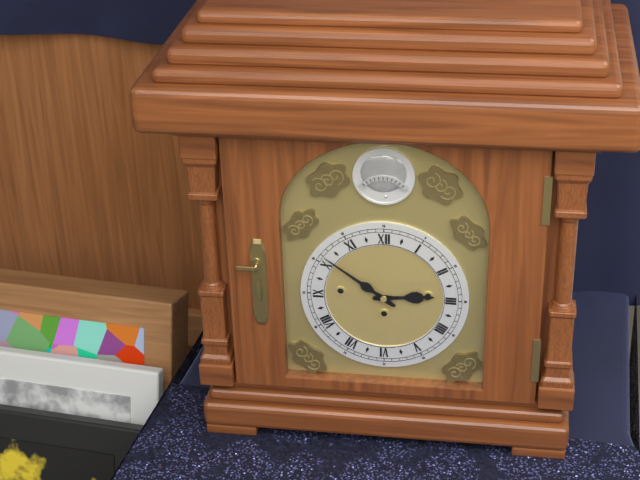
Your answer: **2:51**
